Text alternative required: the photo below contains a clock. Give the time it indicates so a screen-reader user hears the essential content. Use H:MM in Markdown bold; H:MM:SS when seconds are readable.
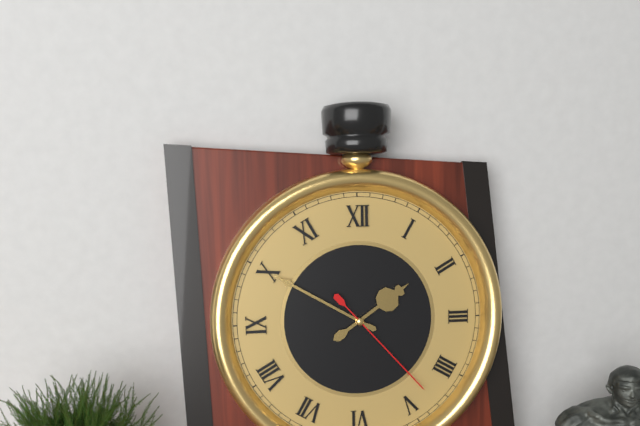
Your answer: **1:50:23**
